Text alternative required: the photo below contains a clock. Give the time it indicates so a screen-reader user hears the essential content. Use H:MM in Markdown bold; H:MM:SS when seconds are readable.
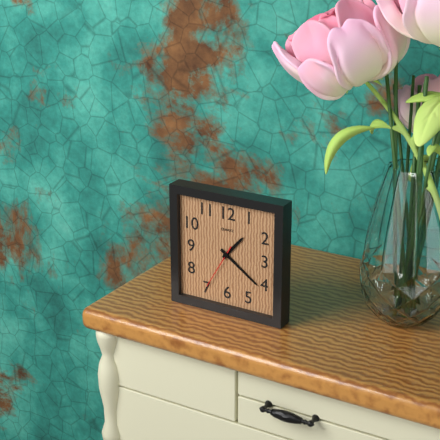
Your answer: **1:21**
